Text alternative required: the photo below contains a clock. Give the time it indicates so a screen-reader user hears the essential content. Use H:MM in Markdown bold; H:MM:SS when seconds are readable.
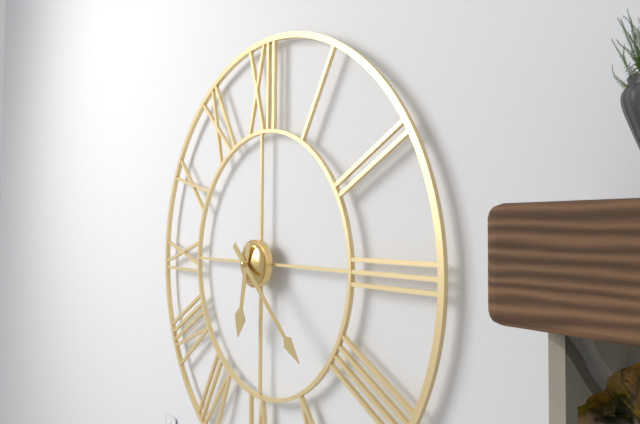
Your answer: **6:22**
